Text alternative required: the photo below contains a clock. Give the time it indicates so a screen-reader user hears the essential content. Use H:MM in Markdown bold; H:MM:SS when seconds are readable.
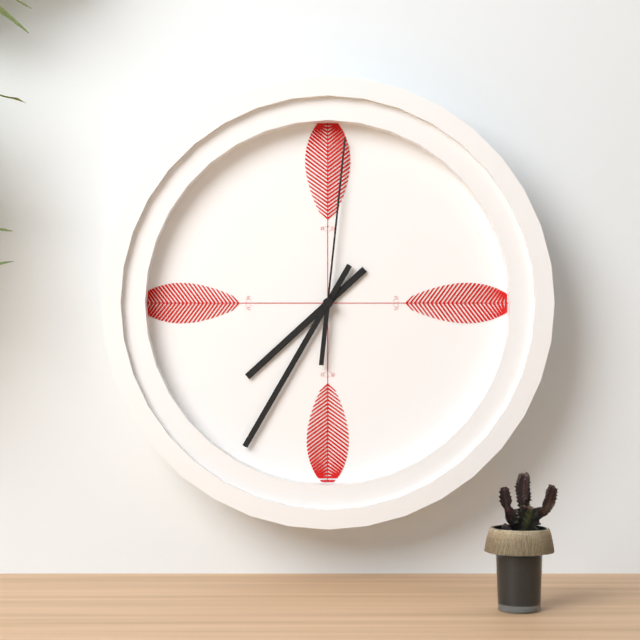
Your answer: **7:35:01**
